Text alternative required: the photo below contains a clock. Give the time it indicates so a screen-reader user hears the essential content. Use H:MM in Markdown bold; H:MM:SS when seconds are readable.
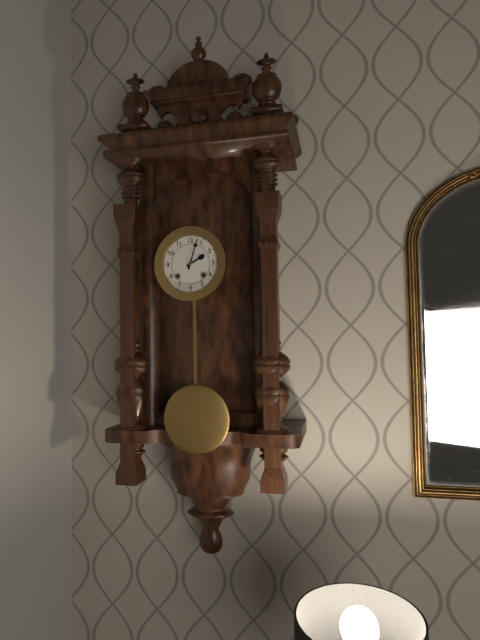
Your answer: **2:03**
